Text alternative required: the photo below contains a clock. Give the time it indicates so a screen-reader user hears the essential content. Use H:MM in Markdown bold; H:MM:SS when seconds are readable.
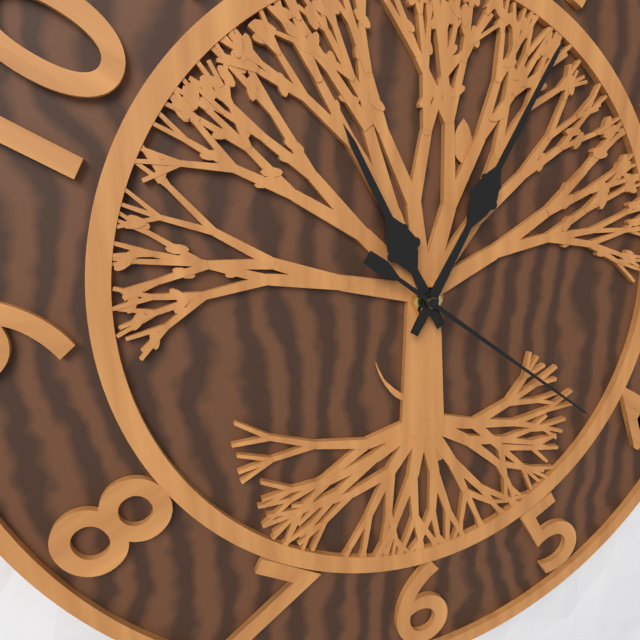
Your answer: **11:05:21**
